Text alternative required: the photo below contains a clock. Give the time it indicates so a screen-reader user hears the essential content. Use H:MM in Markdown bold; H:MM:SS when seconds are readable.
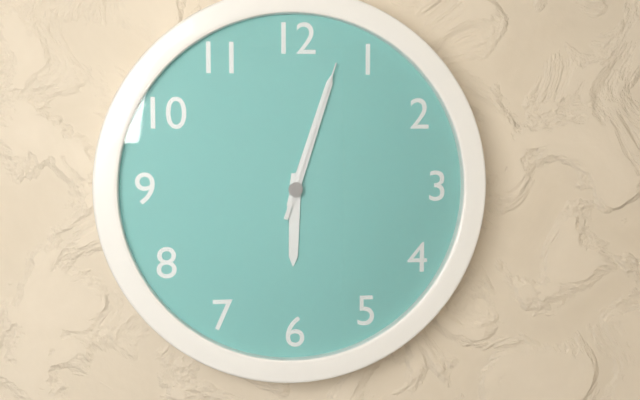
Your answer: **6:03:03**
